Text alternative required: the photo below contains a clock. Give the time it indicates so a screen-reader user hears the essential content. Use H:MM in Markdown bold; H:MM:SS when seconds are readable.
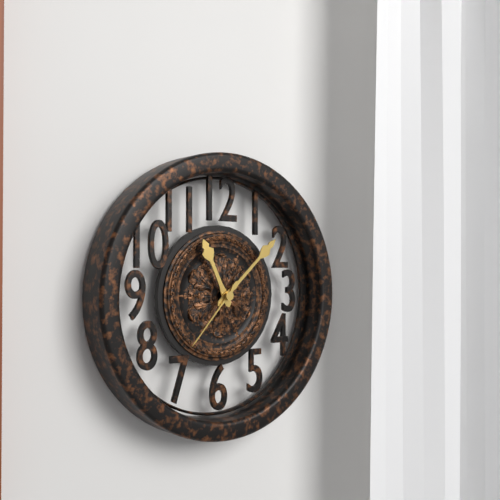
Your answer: **11:08:37**
